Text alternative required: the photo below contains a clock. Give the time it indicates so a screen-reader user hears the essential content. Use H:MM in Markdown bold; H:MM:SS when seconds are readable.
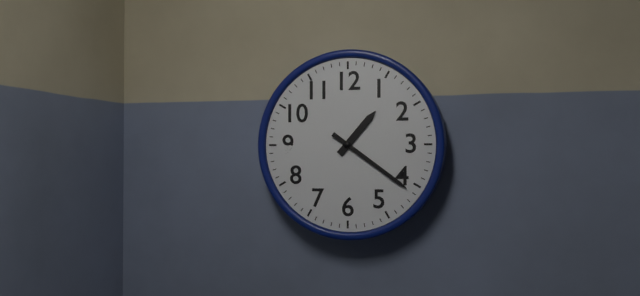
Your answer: **1:21**
